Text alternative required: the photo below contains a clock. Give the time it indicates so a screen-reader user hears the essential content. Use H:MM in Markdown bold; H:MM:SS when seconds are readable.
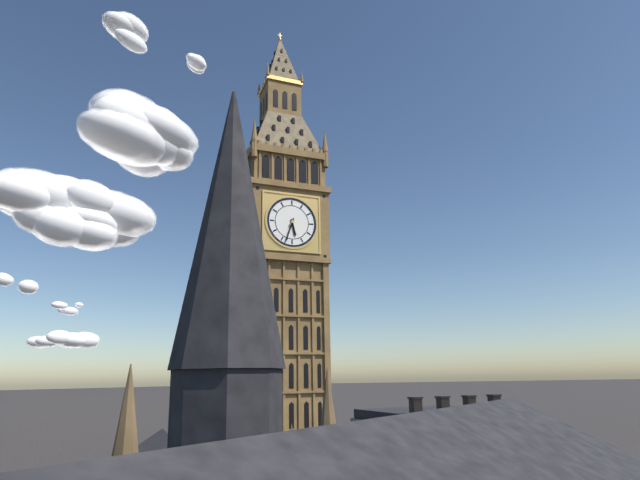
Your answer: **5:33**
